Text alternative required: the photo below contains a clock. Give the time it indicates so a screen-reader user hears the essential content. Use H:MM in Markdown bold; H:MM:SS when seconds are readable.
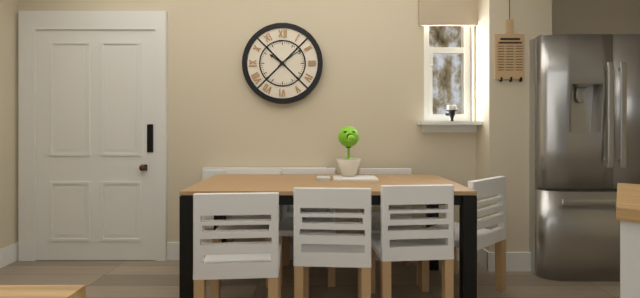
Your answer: **10:09**
